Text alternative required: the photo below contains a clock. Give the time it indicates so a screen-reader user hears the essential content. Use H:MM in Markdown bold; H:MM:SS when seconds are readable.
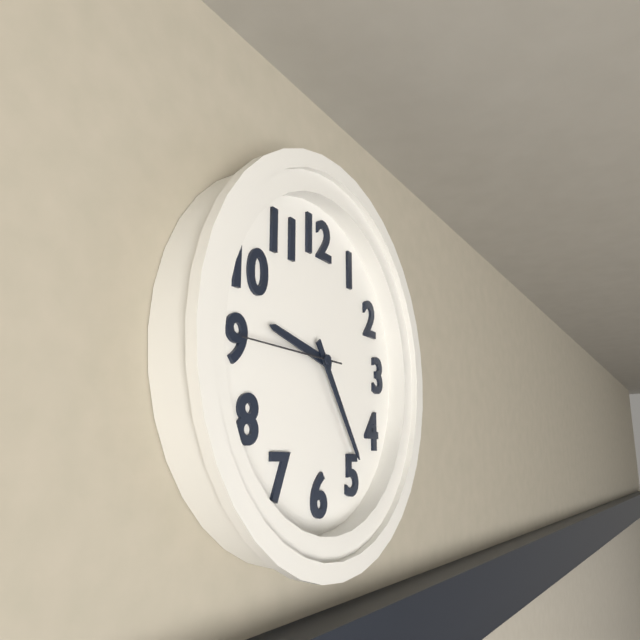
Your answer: **9:24:45**
